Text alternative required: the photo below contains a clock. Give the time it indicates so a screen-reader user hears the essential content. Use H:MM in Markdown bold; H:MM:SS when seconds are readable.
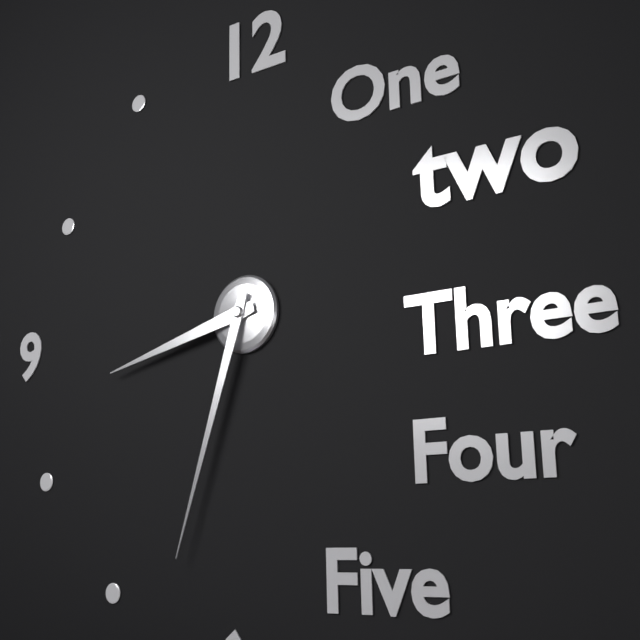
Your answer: **8:33**
